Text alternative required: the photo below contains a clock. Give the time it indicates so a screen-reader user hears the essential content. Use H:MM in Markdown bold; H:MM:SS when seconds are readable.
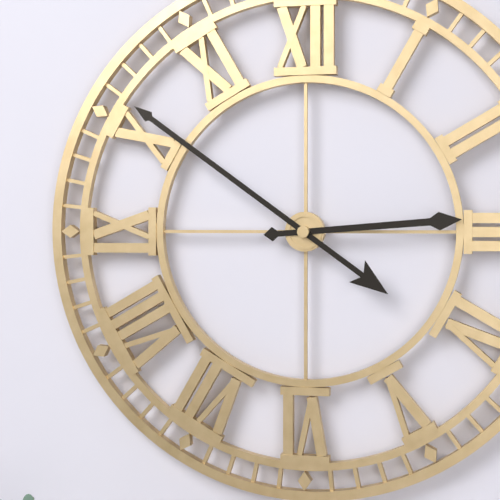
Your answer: **2:51**
